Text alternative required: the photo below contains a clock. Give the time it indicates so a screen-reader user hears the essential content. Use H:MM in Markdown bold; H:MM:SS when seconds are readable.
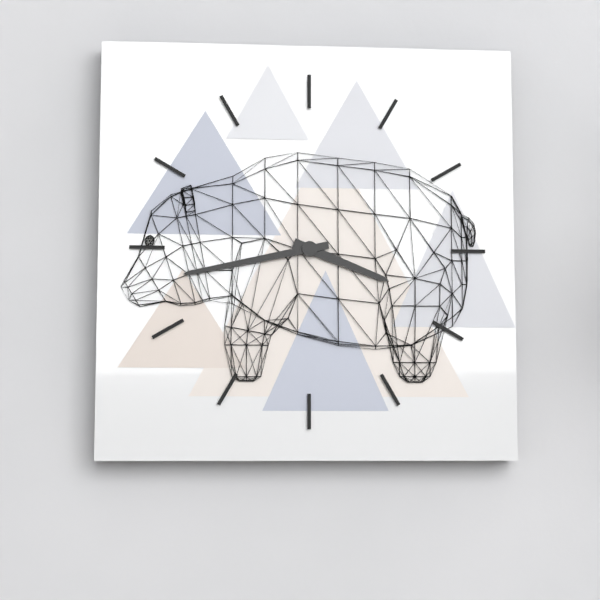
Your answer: **3:43**
